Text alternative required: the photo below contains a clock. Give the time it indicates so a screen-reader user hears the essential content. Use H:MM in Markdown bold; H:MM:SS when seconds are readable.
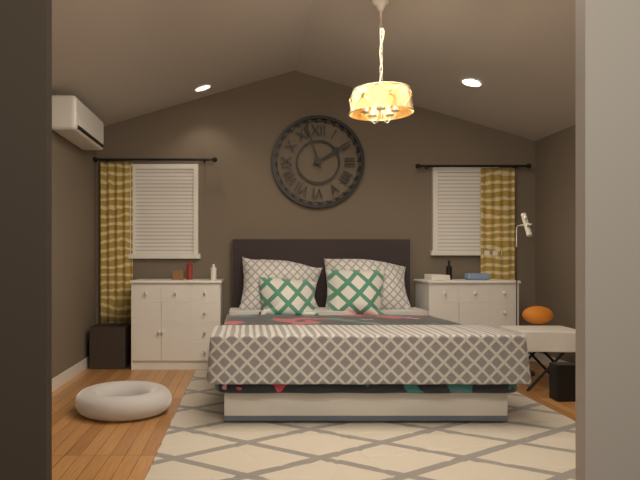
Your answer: **1:57**
